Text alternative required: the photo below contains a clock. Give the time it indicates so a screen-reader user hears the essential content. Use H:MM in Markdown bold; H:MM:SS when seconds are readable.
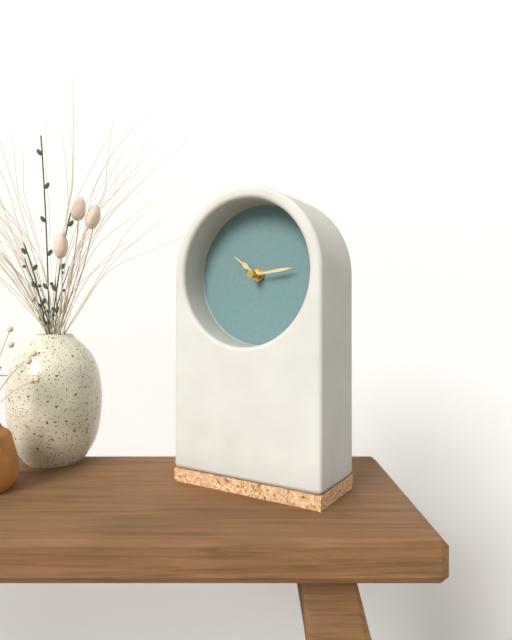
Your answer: **10:14**
